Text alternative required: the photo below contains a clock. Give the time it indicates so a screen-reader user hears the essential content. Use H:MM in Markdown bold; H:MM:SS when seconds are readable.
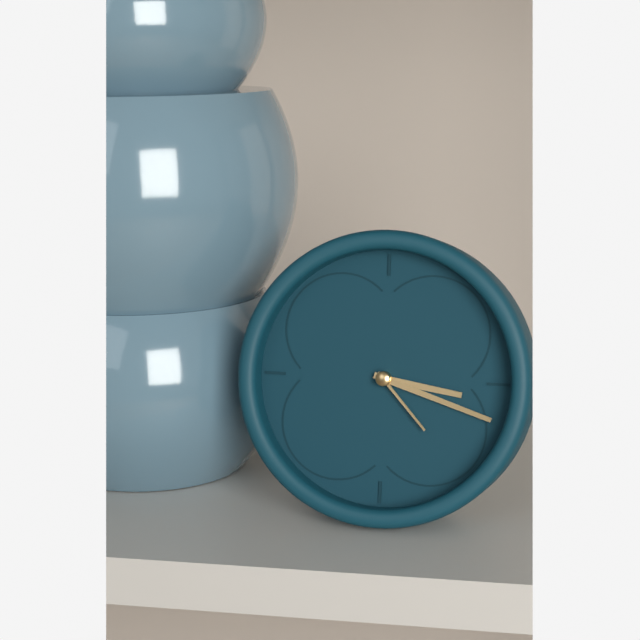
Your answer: **3:18:23**
